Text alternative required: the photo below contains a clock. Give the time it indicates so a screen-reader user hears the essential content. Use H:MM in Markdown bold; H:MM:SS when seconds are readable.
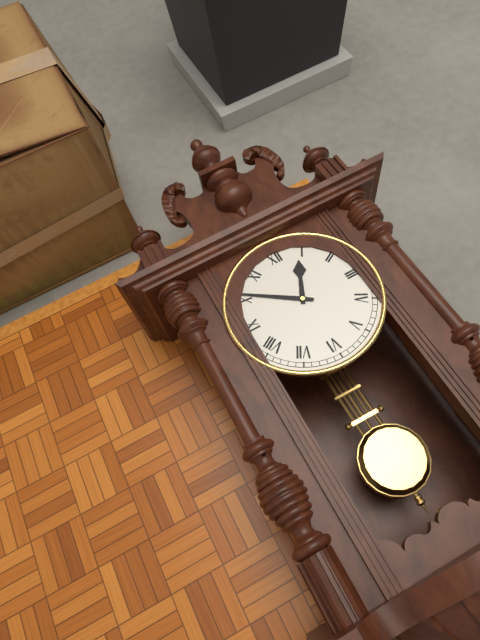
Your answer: **12:51**
